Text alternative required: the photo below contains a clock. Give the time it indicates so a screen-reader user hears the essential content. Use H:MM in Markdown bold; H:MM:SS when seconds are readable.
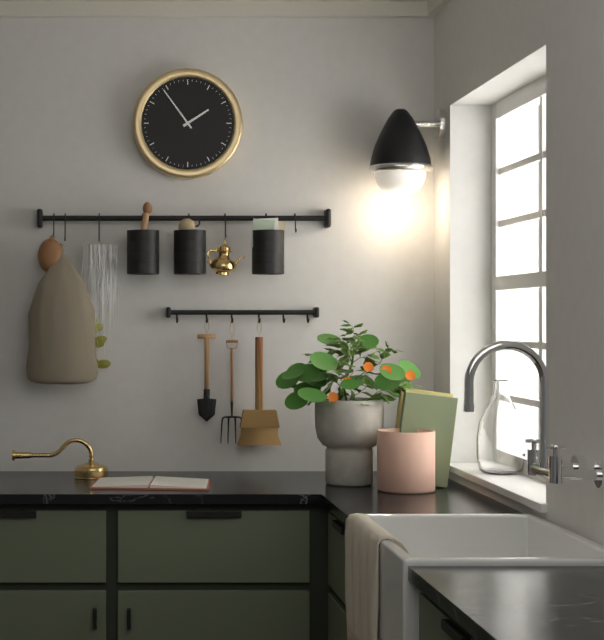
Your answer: **1:54**
